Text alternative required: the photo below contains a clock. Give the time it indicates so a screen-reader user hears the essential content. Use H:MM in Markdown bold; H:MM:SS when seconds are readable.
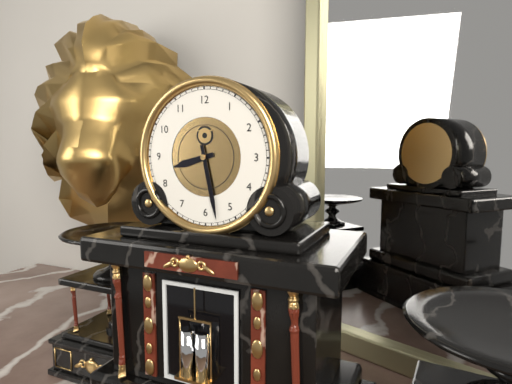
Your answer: **8:28**
